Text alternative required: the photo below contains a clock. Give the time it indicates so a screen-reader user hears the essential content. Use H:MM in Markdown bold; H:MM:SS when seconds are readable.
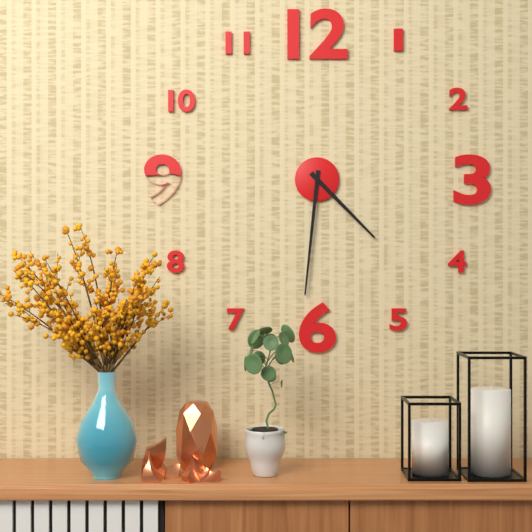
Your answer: **4:31**
